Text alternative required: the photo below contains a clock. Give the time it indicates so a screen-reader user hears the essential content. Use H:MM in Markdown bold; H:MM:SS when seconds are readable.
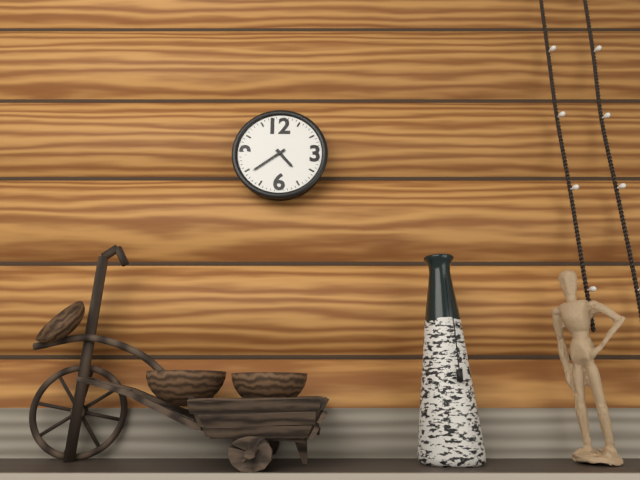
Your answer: **4:39**
